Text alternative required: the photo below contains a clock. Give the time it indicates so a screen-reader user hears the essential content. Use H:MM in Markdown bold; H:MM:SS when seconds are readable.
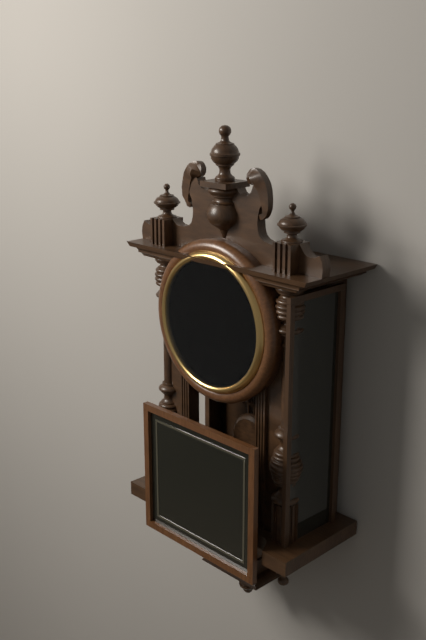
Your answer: **6:13**
